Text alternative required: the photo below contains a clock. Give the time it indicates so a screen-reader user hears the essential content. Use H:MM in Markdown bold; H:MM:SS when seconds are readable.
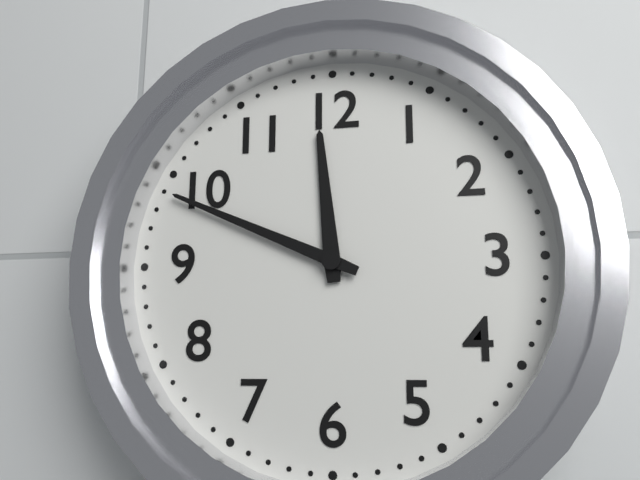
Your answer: **11:49**
